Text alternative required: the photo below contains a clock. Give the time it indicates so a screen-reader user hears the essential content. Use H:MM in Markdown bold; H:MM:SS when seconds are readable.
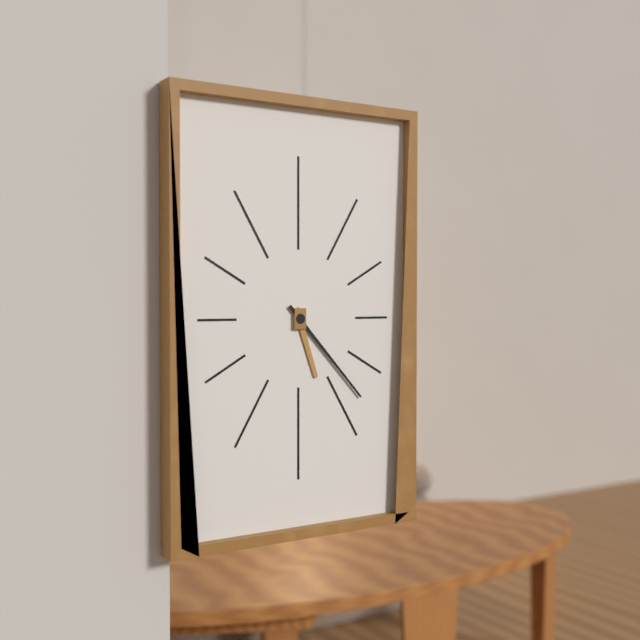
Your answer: **5:23**
